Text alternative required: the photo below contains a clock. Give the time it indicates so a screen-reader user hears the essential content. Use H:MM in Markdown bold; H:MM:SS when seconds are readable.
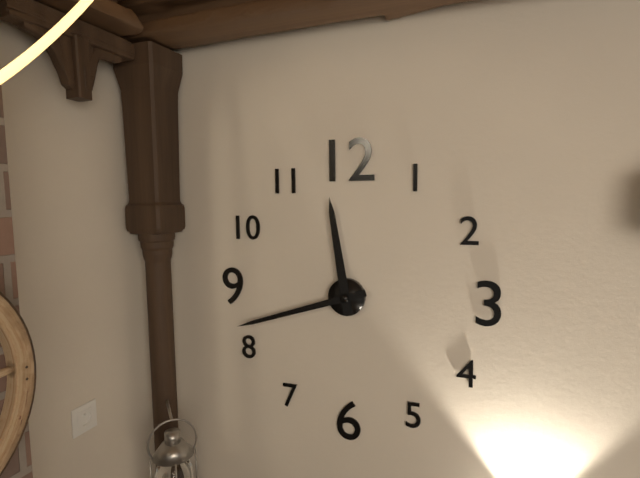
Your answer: **11:42**
